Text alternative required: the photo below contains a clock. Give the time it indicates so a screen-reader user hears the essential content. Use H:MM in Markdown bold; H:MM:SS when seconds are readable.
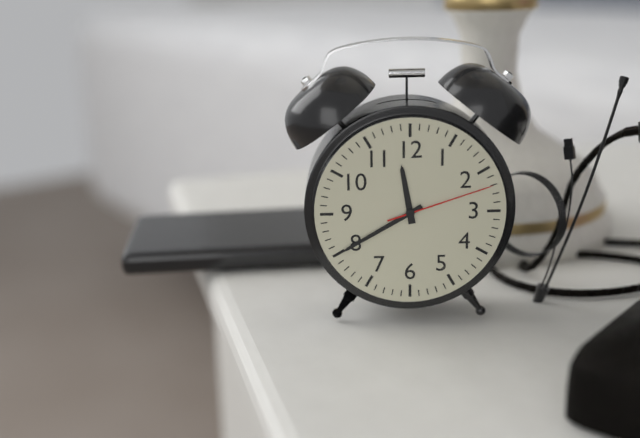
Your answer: **11:40:12**
